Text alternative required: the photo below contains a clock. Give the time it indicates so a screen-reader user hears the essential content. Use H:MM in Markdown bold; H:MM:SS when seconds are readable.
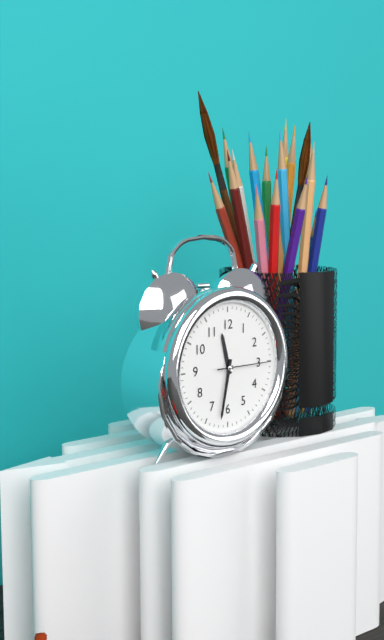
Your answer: **11:32:15**
